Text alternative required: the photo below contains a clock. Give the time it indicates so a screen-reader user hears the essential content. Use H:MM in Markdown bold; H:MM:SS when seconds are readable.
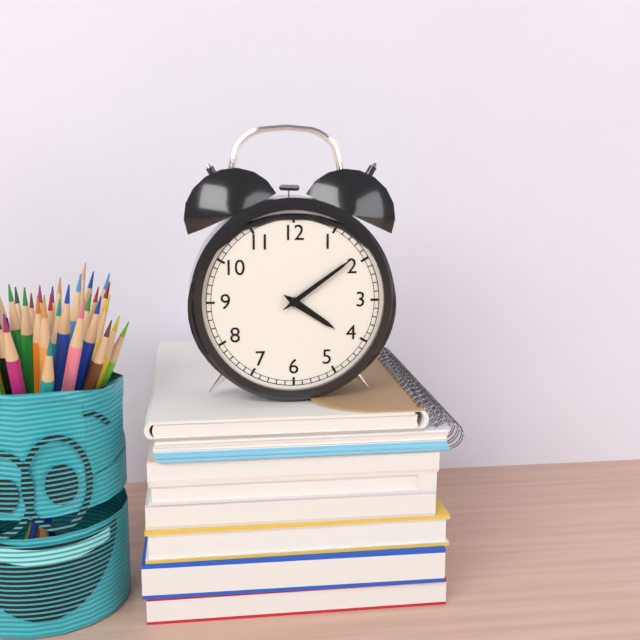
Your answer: **4:09**
